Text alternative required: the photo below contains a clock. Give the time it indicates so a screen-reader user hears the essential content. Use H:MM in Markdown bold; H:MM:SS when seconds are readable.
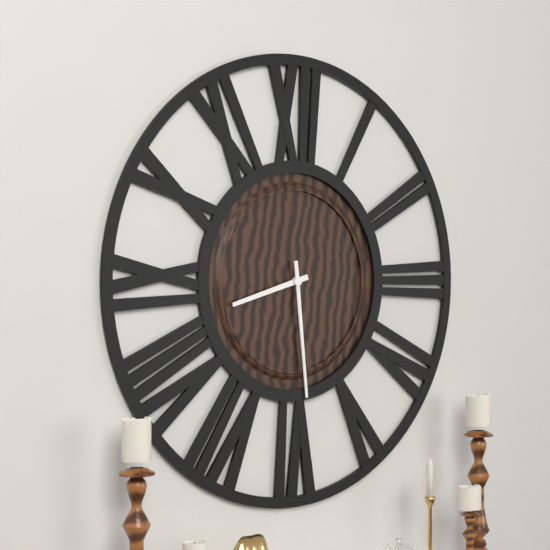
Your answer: **8:29**
